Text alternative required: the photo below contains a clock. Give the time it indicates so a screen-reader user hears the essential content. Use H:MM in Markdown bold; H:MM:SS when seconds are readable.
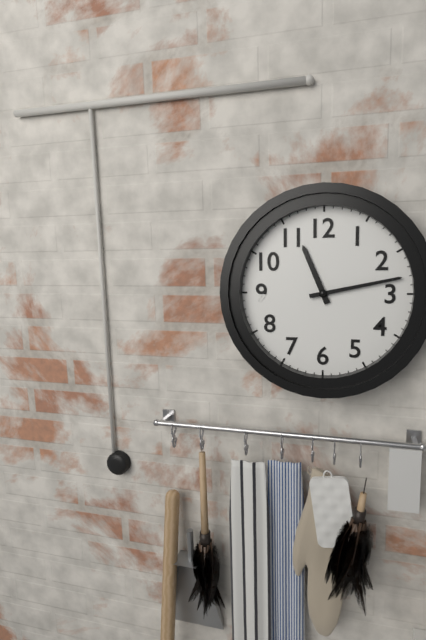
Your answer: **11:13**
